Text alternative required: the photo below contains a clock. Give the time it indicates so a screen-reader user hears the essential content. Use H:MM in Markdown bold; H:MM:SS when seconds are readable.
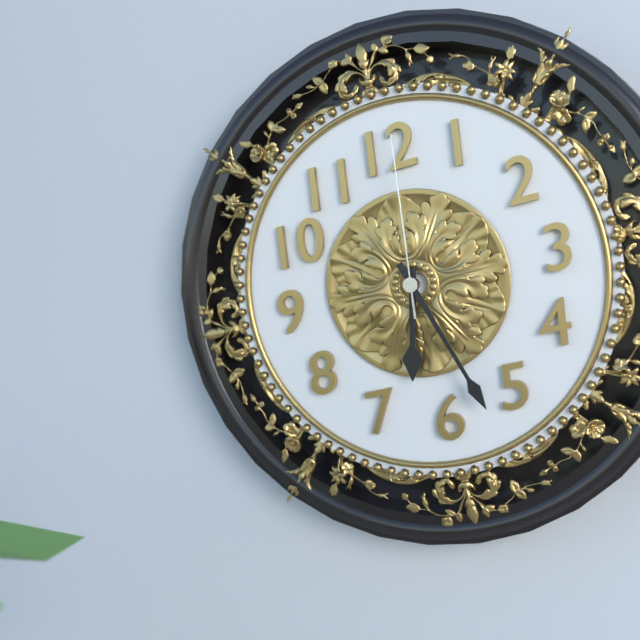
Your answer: **6:27:01**
